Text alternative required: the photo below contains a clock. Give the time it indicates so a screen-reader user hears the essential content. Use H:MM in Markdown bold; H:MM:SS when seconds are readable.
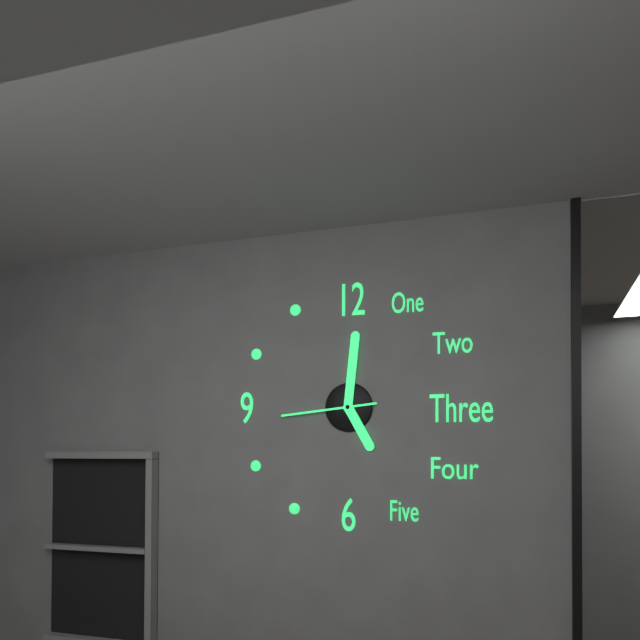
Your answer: **5:01:44**
